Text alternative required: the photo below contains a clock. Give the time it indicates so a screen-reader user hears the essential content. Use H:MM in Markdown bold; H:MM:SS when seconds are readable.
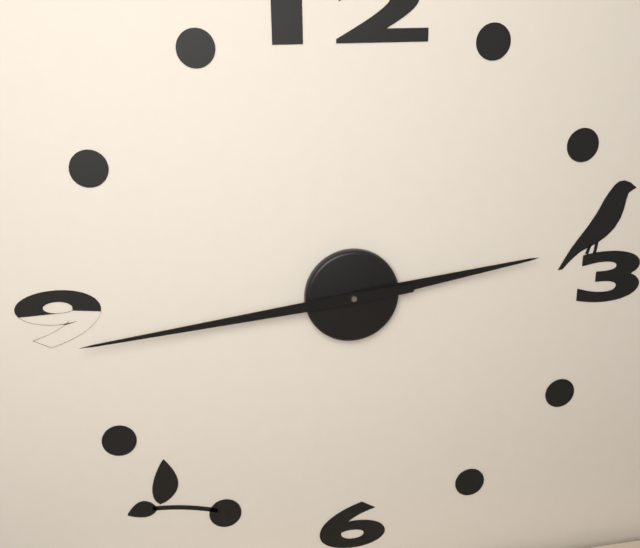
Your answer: **2:44**
